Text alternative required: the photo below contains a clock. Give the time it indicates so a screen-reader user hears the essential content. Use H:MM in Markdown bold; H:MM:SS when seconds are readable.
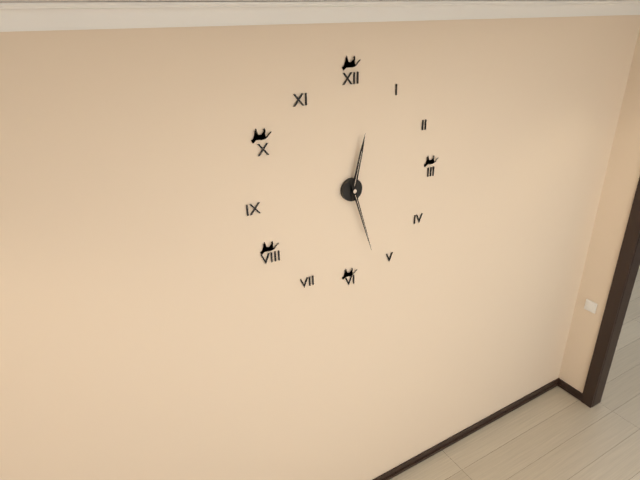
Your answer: **12:27**
